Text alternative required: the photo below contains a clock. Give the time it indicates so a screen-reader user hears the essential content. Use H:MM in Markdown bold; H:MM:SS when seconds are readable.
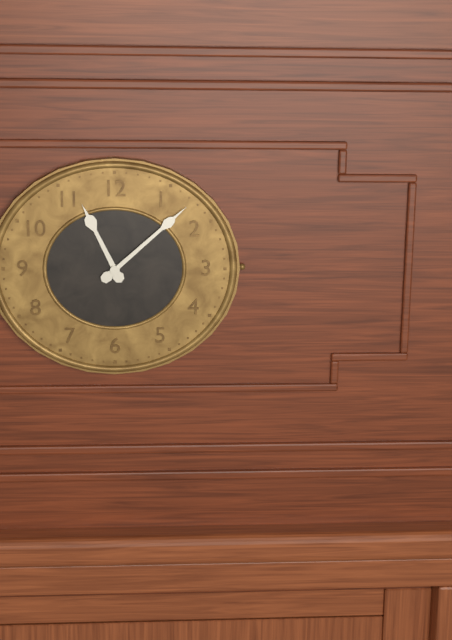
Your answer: **11:08**
